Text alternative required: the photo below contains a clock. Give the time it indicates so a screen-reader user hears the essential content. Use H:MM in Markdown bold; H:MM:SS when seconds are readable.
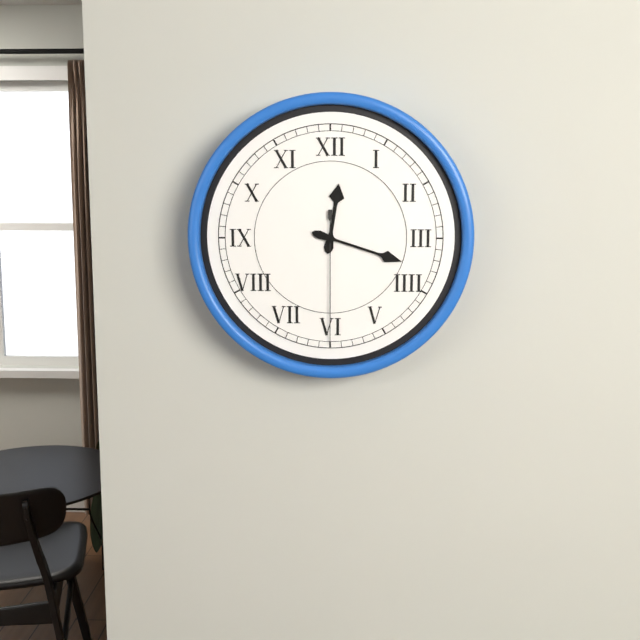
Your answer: **12:18:30**
